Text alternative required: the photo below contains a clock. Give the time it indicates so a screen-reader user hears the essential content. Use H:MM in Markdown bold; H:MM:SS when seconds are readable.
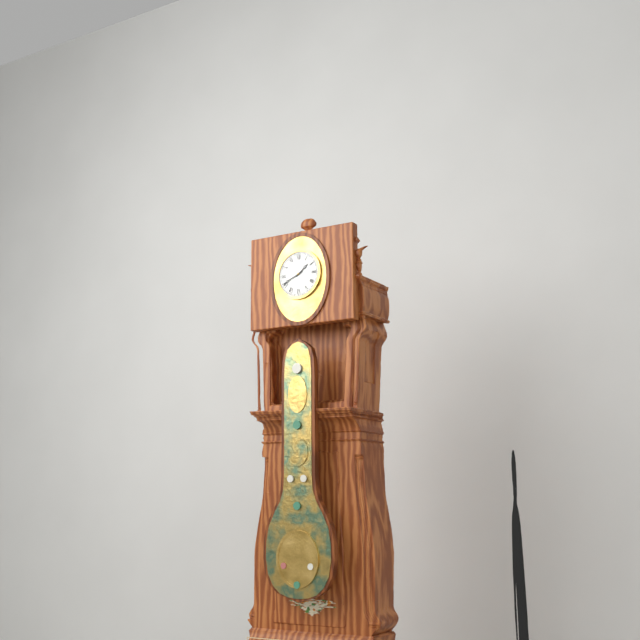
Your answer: **1:41**
